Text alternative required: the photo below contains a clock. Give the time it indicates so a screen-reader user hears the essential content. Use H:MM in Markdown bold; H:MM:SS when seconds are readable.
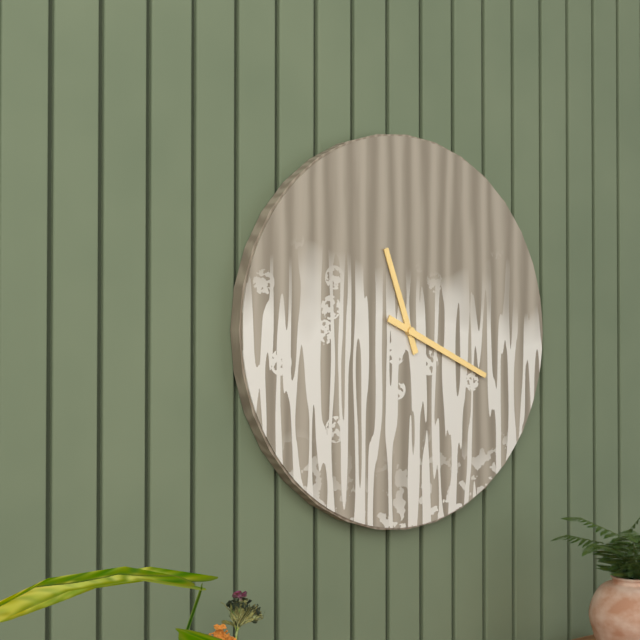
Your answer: **11:19**
